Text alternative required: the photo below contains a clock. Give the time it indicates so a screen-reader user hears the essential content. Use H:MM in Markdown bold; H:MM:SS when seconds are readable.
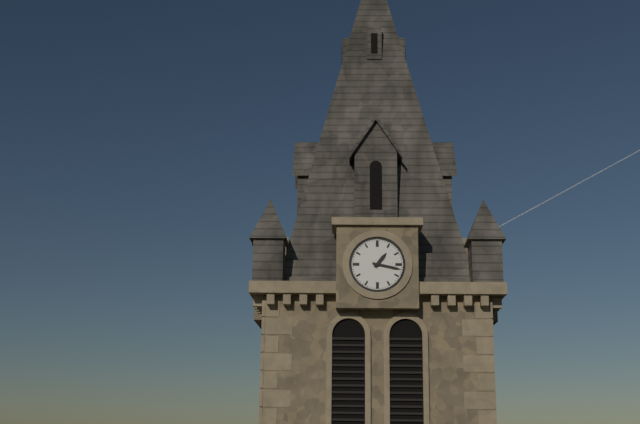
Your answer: **1:17**
